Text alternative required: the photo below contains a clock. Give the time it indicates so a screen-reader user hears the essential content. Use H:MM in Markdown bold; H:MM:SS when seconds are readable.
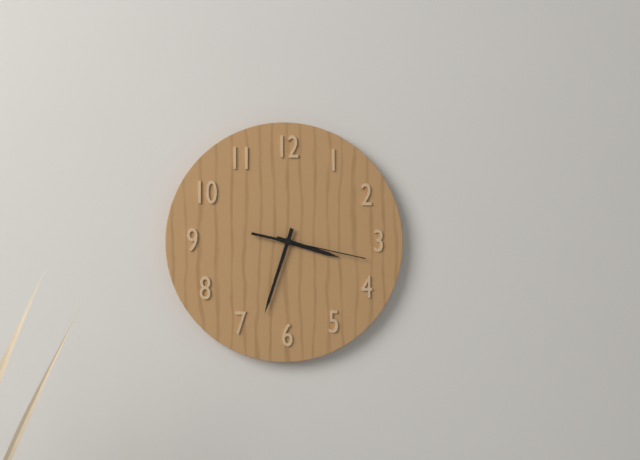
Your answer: **3:33:17**
